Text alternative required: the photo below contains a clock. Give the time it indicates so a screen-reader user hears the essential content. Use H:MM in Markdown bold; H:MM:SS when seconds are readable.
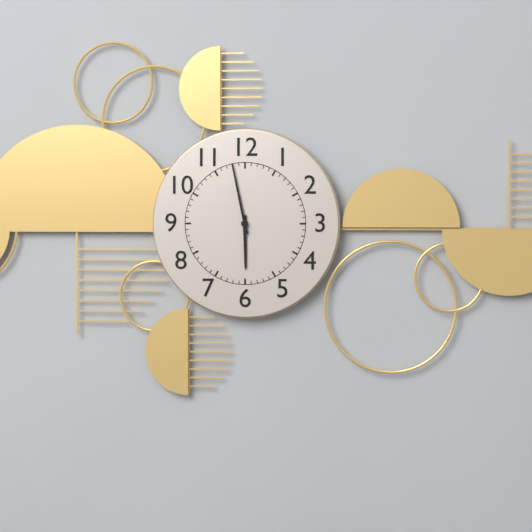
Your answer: **5:58**
